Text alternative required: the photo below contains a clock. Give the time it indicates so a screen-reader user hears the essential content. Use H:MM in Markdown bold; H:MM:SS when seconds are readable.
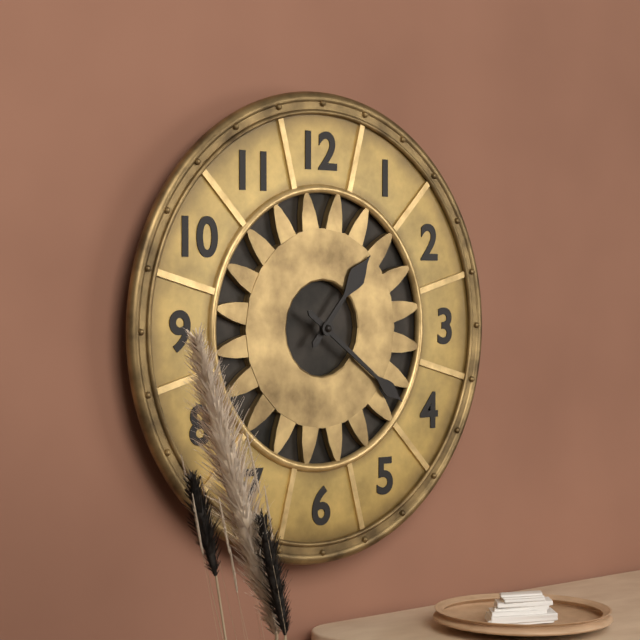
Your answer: **1:21**
